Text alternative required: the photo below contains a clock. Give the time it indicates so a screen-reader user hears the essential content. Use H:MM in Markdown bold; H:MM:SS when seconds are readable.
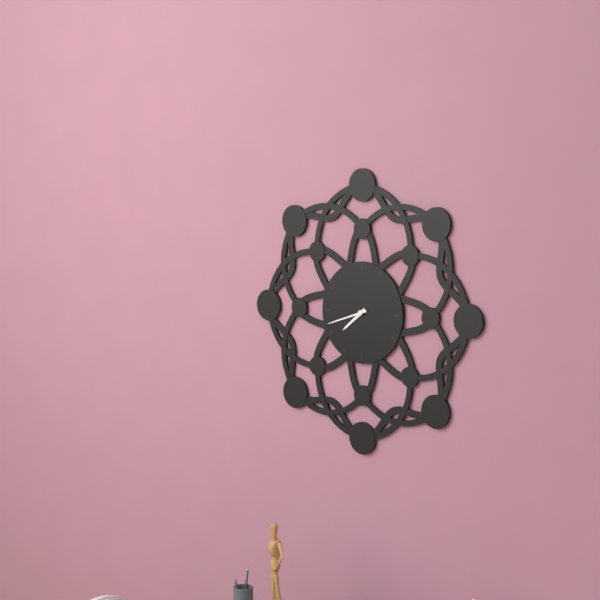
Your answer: **7:42**
